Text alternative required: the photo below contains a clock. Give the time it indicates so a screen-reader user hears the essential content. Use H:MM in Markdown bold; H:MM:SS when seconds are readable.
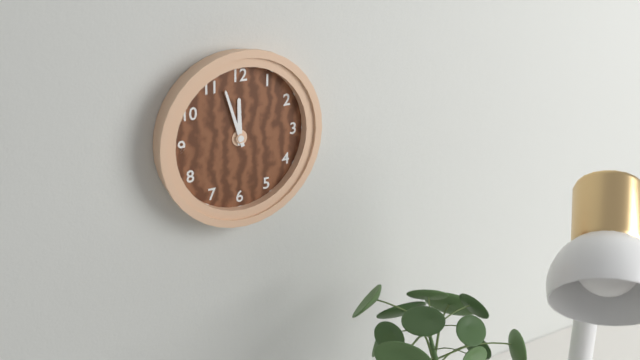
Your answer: **11:57**
